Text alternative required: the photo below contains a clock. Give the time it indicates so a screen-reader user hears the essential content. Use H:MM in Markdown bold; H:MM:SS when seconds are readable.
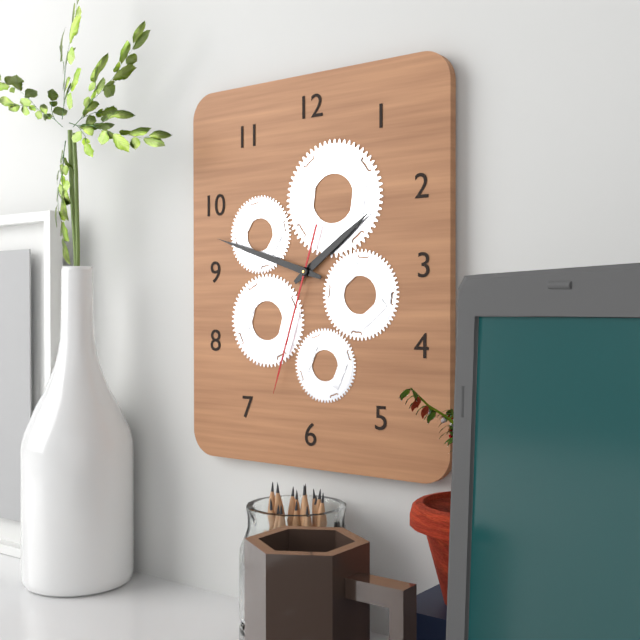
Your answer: **1:48:33**
